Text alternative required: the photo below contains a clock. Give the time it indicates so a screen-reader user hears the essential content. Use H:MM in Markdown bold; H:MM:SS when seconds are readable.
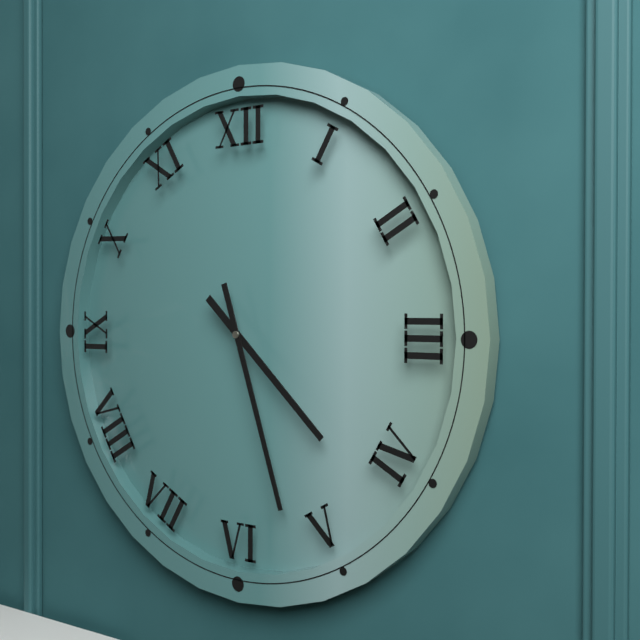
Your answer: **4:27**
